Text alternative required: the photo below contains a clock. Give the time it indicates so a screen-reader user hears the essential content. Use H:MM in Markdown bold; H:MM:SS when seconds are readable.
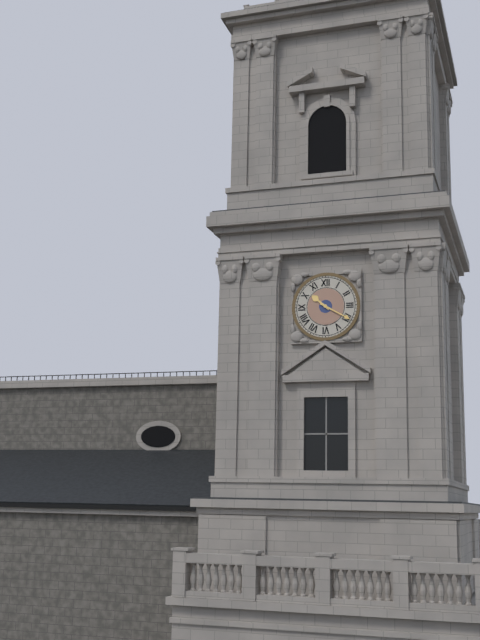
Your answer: **10:20**
